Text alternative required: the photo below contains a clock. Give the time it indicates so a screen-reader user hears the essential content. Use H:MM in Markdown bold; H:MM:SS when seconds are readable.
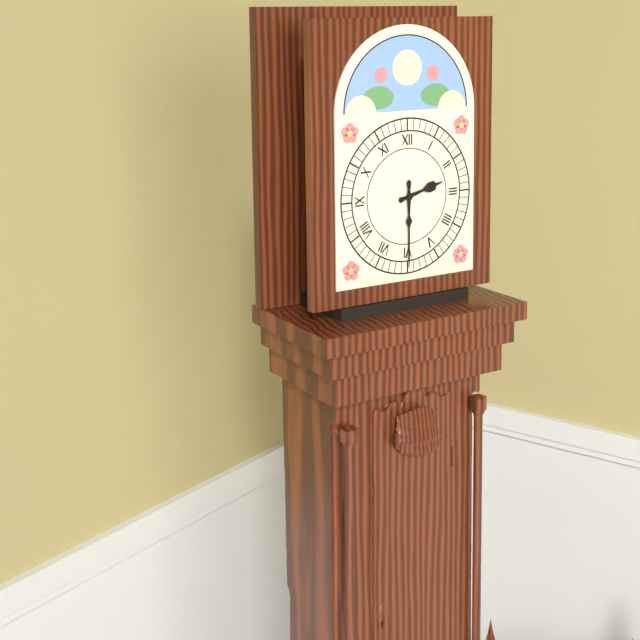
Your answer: **2:30**
